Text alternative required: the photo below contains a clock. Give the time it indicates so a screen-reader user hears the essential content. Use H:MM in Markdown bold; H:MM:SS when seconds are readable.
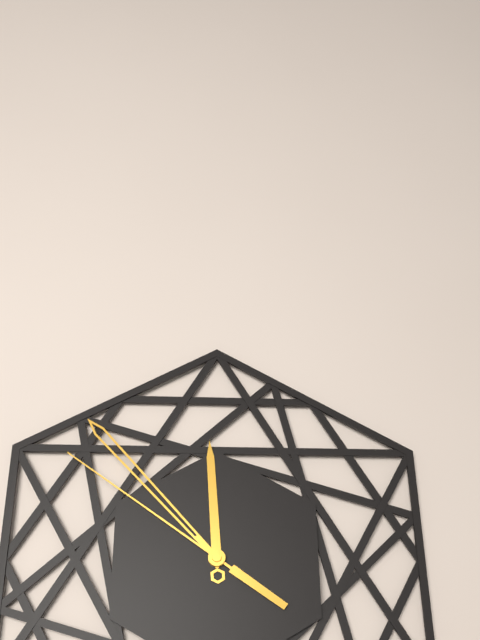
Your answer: **11:53:51**
